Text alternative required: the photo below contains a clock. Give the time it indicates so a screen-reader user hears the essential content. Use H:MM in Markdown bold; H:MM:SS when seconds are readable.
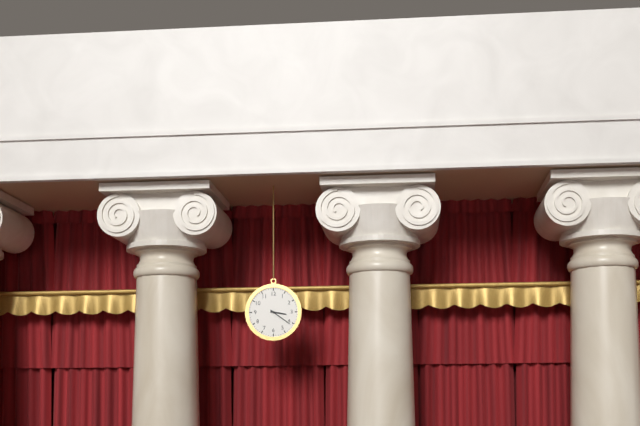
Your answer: **3:21**
